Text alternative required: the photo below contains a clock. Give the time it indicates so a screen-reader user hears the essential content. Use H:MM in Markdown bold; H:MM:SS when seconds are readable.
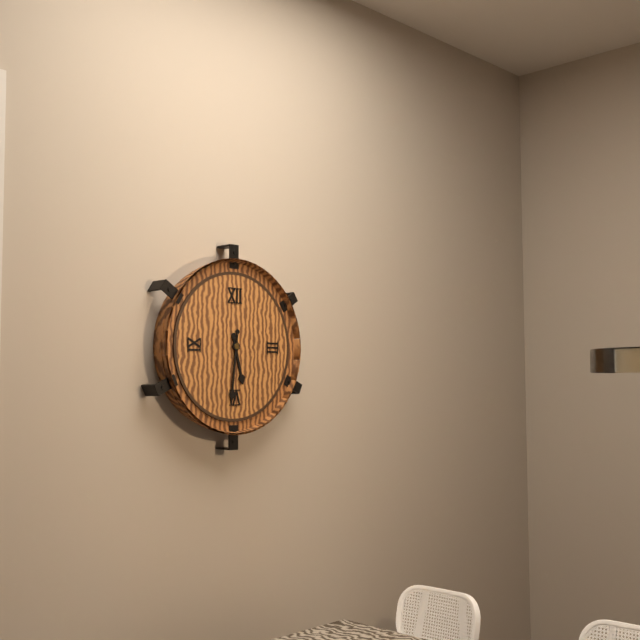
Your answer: **5:31**
